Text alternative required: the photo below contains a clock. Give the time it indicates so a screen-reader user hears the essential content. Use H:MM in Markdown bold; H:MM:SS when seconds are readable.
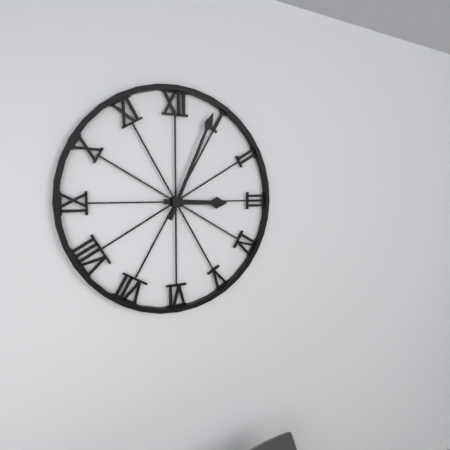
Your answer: **3:04**
